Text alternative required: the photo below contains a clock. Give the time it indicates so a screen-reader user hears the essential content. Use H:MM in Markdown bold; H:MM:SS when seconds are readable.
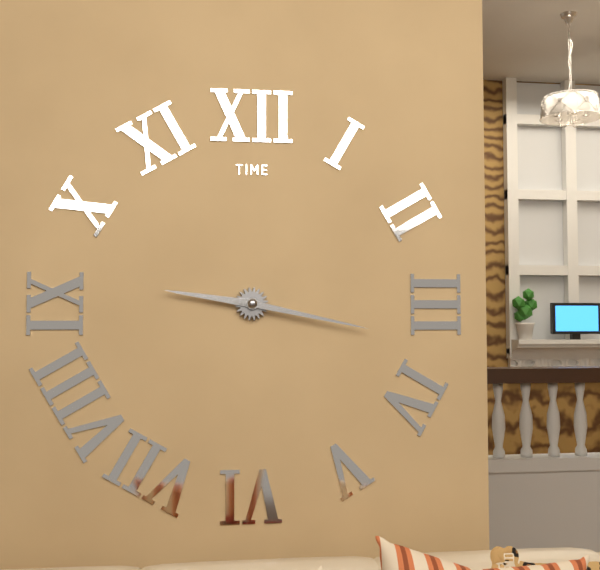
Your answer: **9:17**
